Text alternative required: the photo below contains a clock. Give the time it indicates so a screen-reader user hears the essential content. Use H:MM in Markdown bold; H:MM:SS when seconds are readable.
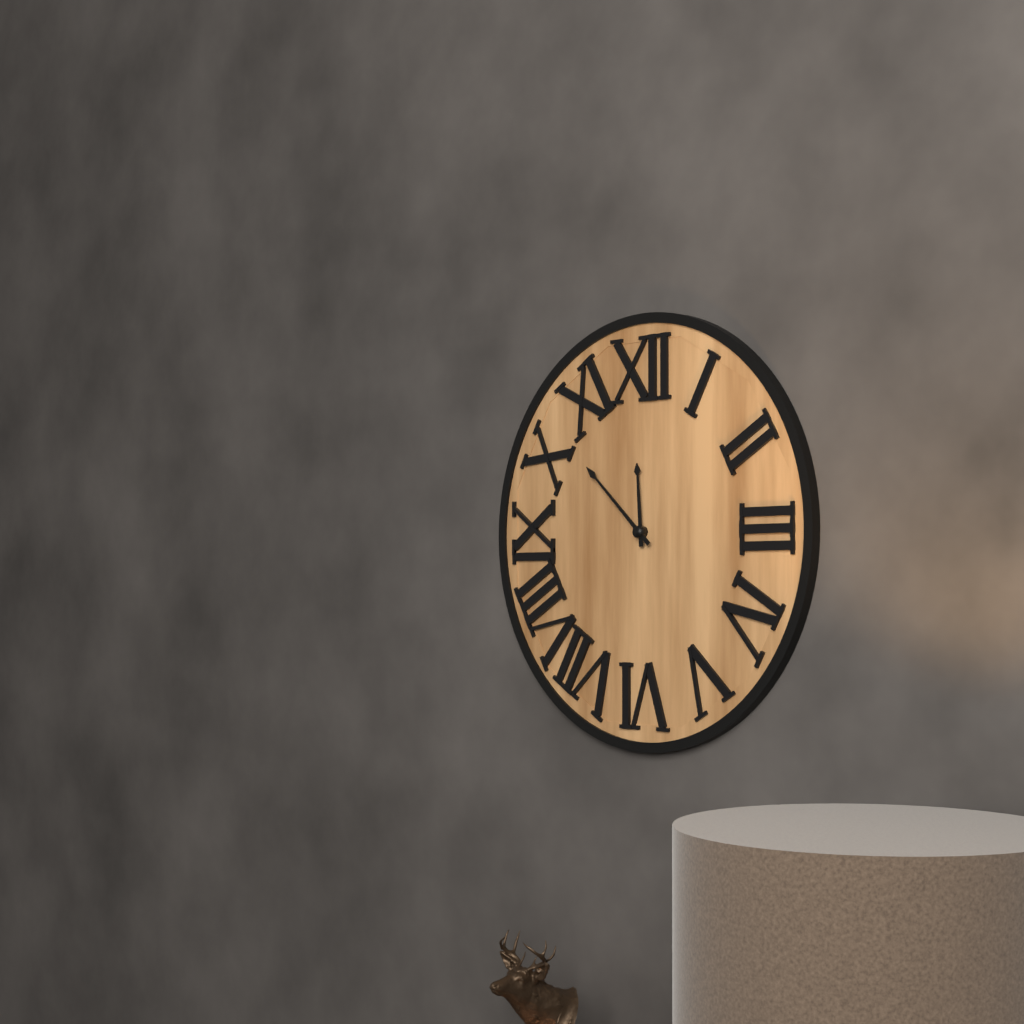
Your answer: **11:52**
